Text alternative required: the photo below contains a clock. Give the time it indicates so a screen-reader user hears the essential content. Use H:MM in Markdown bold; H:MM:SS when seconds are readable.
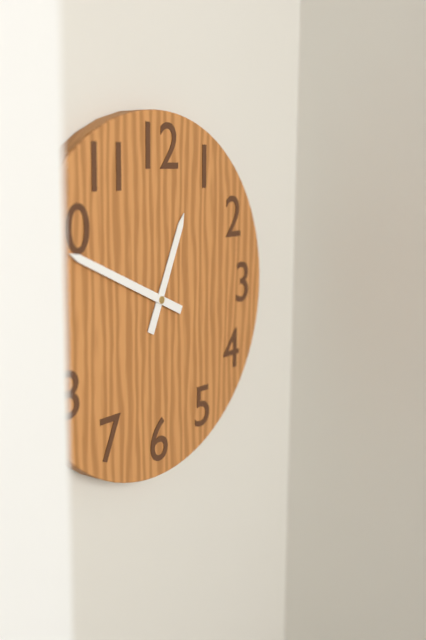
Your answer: **12:49**
